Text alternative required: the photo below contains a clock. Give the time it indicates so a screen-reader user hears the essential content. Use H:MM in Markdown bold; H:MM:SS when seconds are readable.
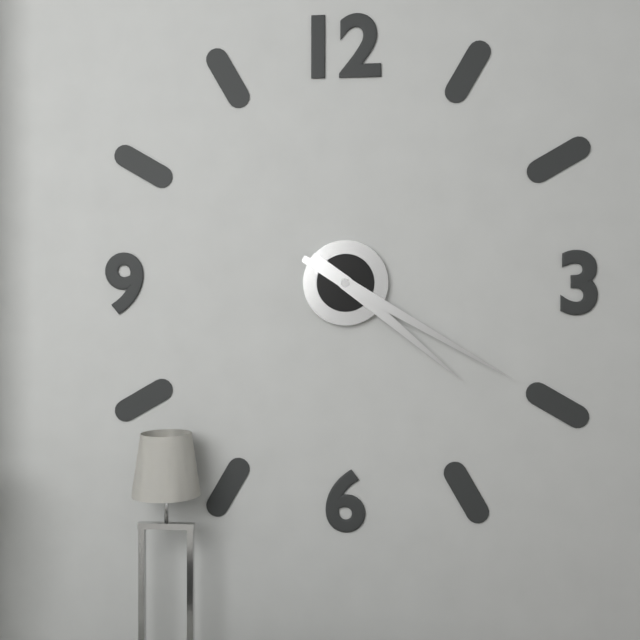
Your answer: **4:20**
